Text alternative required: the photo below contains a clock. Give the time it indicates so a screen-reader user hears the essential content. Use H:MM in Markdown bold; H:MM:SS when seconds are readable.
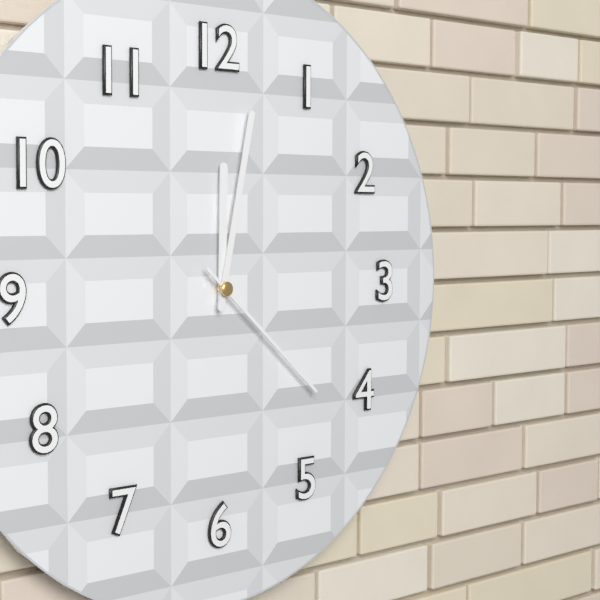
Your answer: **12:02:22**
